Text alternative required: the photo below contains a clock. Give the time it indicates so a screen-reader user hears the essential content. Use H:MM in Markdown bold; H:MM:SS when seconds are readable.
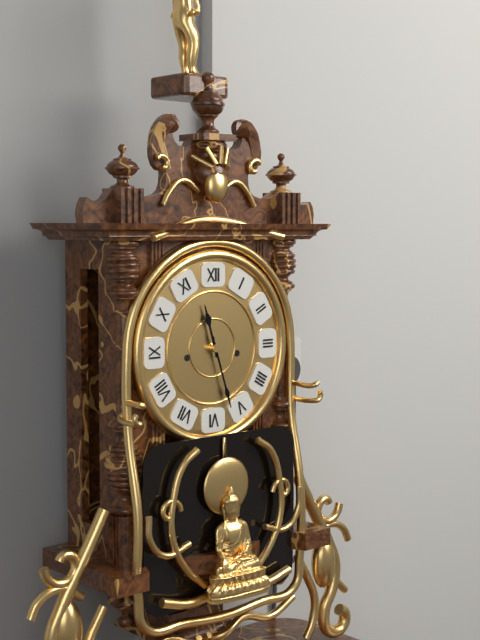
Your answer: **11:27**
